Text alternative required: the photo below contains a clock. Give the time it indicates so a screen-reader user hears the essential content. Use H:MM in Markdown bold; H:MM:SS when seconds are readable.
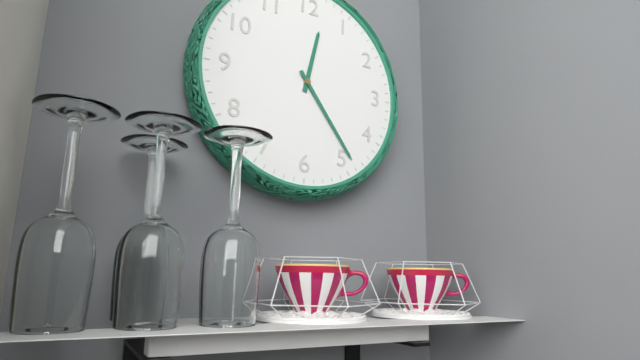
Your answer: **12:24**
